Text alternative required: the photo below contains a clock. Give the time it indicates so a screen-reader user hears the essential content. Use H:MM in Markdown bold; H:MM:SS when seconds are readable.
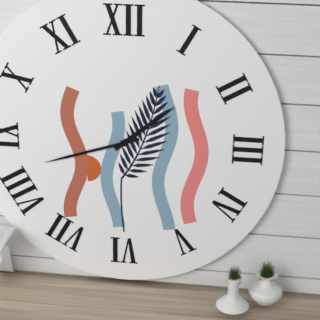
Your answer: **1:42**
